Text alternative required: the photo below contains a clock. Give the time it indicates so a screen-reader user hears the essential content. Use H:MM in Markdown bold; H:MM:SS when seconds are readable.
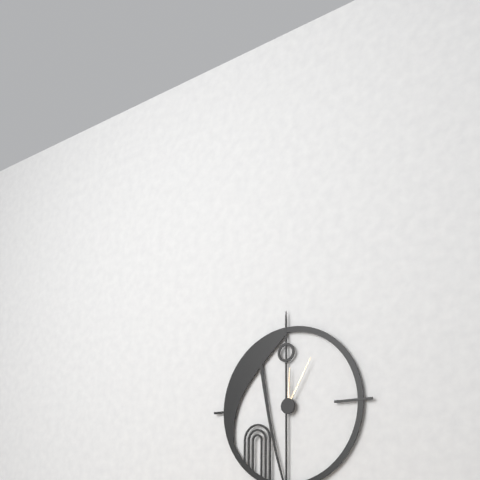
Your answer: **12:05**
